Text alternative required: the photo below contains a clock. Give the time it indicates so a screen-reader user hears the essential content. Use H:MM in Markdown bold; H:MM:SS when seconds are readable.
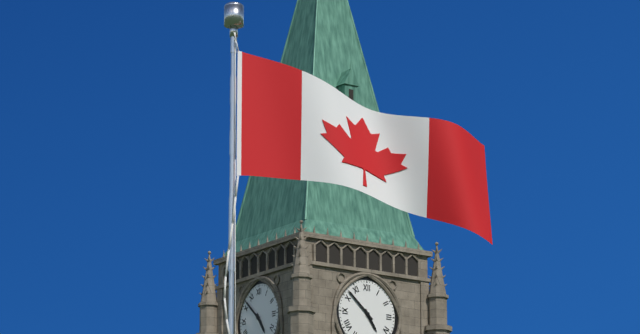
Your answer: **4:52**
